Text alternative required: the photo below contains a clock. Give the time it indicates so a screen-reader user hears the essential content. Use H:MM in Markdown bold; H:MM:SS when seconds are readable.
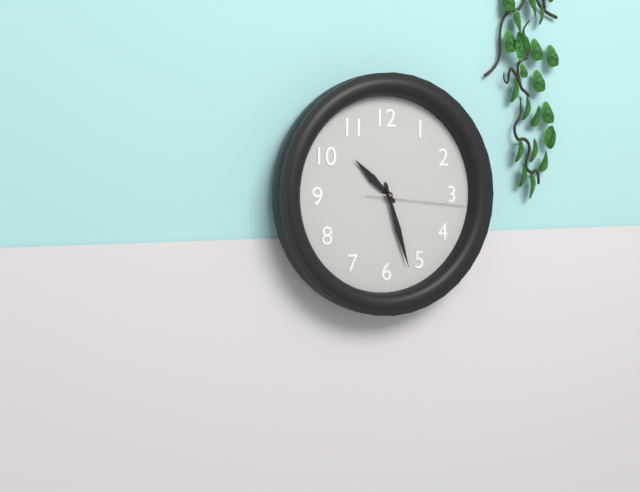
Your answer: **10:27:16**
